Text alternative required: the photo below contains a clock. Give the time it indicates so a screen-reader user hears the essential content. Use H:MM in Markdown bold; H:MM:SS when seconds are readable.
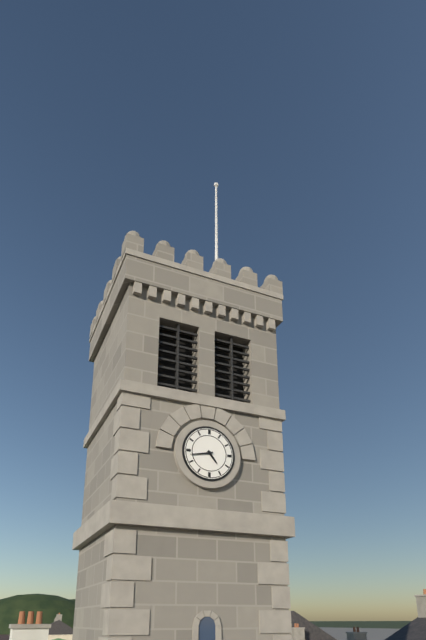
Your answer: **4:43**
